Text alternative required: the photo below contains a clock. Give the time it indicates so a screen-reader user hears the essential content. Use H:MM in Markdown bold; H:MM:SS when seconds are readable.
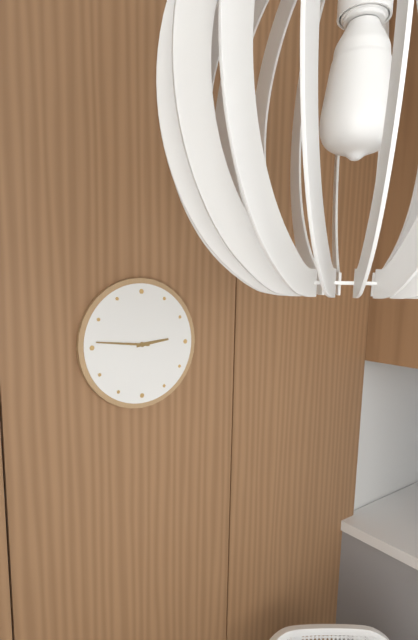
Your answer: **2:46**
